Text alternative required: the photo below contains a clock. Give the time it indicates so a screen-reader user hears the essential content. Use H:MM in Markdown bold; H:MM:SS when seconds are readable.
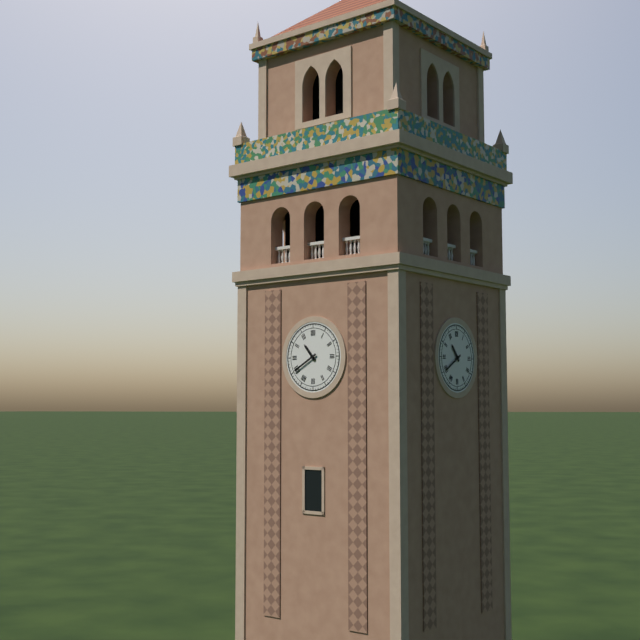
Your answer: **10:40**
